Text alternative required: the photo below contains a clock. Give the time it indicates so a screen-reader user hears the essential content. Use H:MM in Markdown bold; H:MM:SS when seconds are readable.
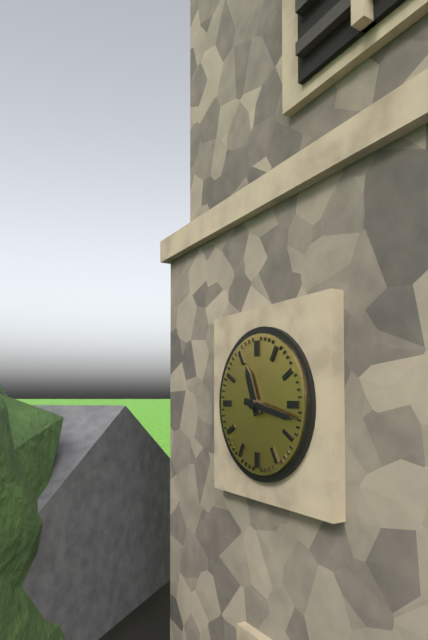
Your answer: **11:17**
